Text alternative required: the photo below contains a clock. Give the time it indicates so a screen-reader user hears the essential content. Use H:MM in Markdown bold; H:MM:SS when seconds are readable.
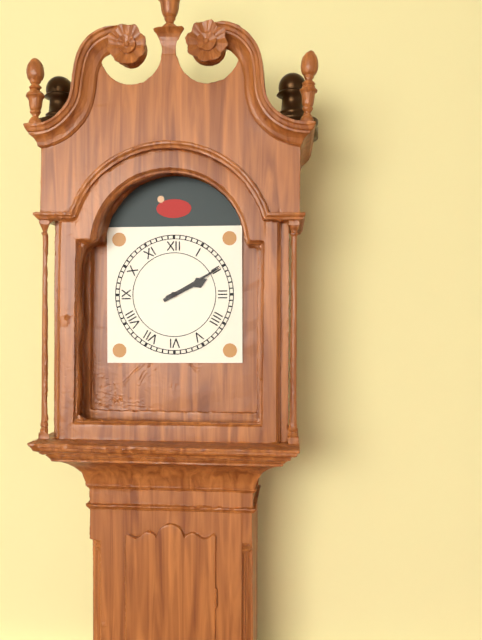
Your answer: **2:10**
